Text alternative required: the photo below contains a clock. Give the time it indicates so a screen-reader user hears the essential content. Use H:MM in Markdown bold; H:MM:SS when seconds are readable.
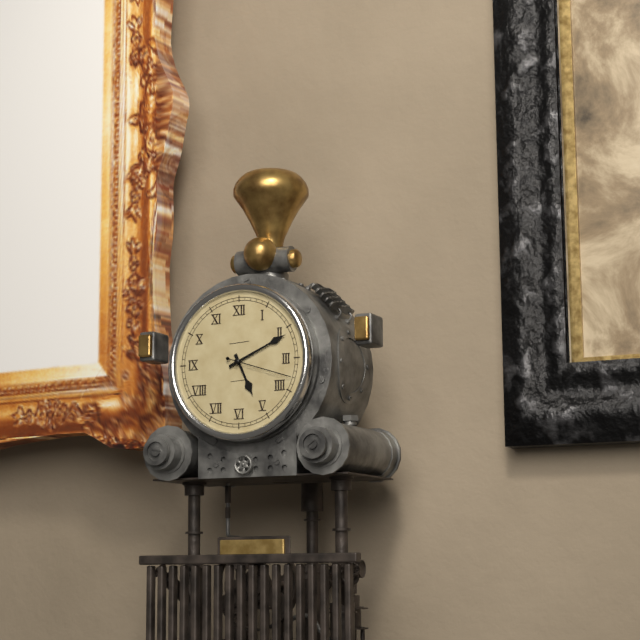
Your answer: **5:11:18**
